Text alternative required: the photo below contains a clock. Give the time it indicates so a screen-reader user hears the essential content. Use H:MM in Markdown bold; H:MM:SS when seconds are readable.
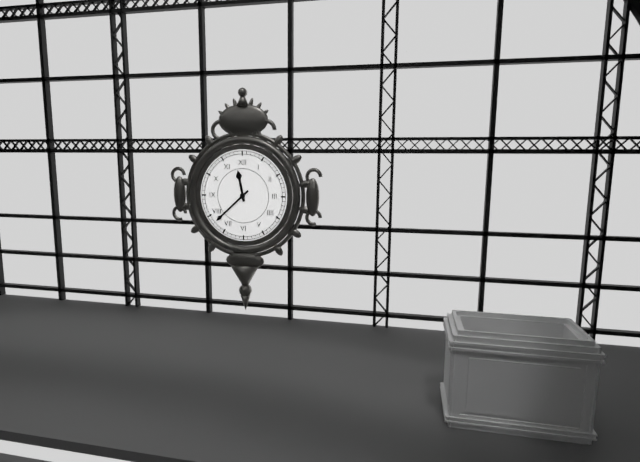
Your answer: **11:38**
